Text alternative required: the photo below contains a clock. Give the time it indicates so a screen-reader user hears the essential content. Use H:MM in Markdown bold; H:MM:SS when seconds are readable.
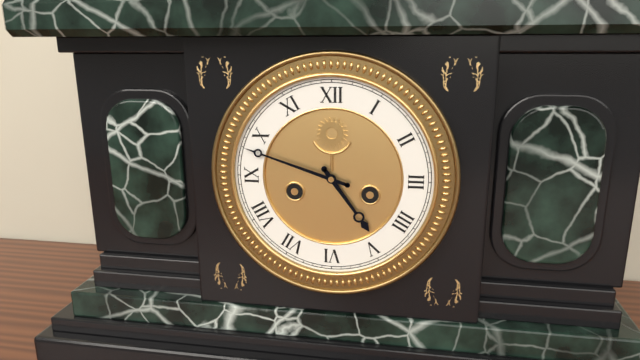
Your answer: **4:48**
